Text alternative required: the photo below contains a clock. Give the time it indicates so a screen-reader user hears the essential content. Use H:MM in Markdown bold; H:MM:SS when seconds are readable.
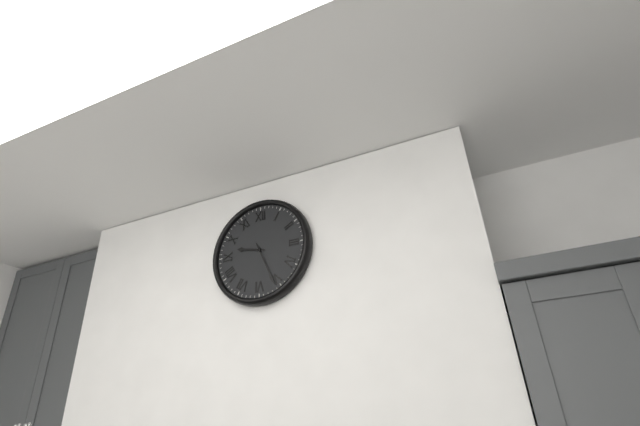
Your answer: **9:26**
